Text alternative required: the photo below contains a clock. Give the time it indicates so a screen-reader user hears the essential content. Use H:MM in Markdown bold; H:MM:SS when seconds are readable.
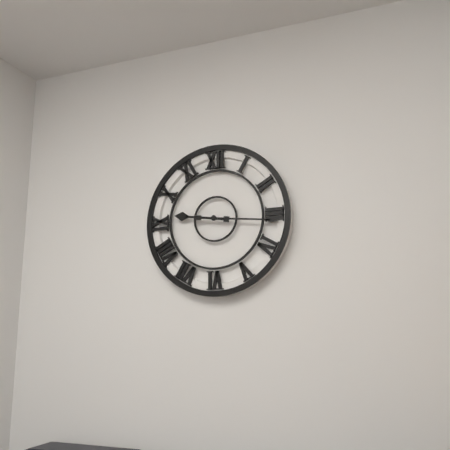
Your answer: **9:16**
